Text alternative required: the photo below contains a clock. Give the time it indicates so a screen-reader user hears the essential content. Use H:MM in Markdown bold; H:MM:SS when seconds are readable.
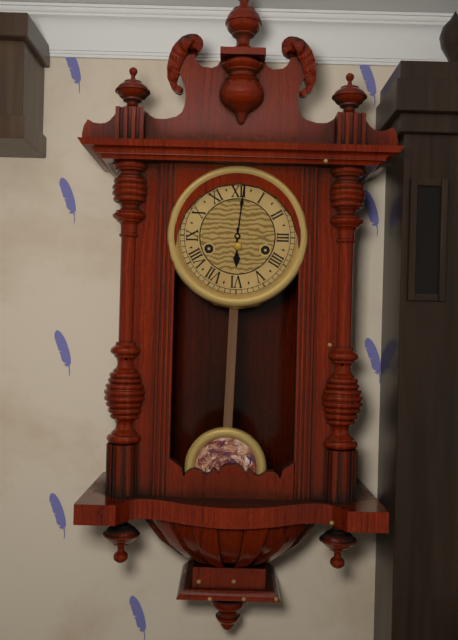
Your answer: **6:01**
